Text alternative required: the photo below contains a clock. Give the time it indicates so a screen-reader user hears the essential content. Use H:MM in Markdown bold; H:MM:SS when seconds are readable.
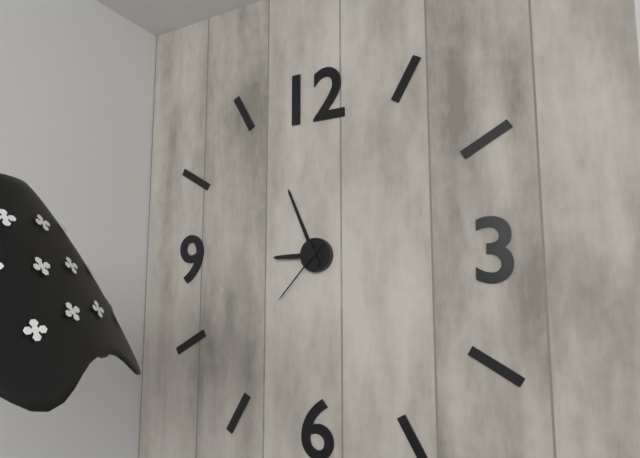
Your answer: **8:56:37**
